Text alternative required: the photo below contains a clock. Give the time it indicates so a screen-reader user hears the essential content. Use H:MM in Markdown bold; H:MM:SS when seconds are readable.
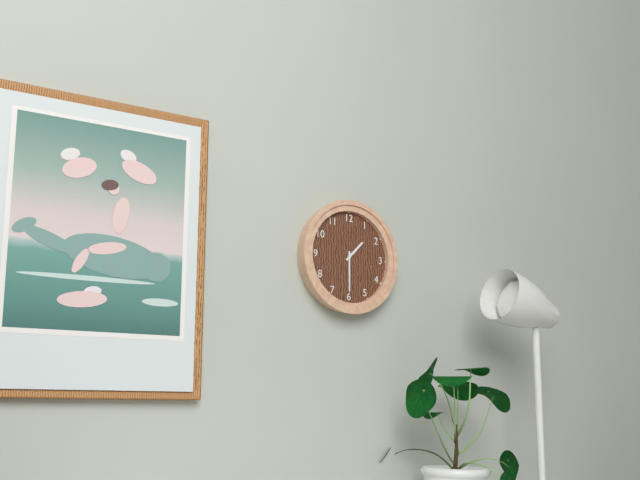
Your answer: **1:30**
